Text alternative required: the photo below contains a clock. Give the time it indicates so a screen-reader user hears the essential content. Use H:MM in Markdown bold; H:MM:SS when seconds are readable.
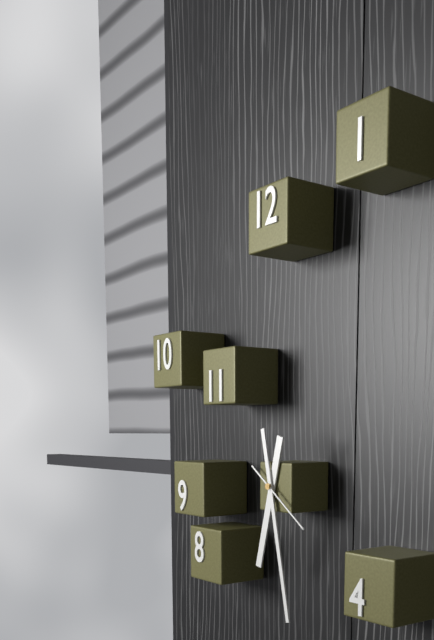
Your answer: **6:28:21**
